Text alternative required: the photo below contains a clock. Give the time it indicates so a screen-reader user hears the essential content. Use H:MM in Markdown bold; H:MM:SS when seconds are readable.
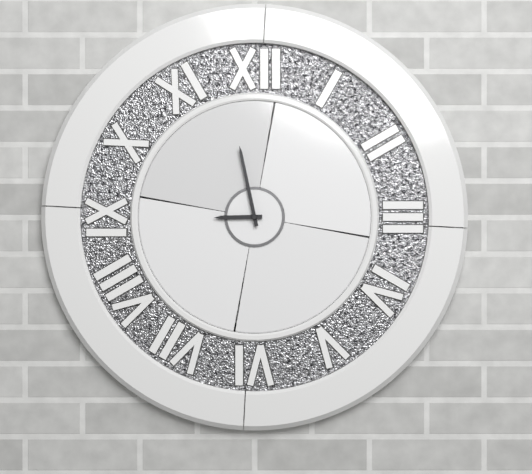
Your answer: **8:58**
